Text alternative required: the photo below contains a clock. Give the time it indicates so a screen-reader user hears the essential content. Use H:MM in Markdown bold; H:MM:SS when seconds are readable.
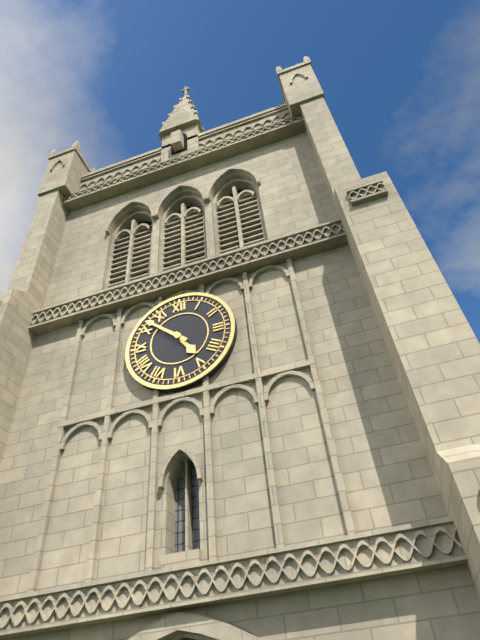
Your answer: **4:52**
